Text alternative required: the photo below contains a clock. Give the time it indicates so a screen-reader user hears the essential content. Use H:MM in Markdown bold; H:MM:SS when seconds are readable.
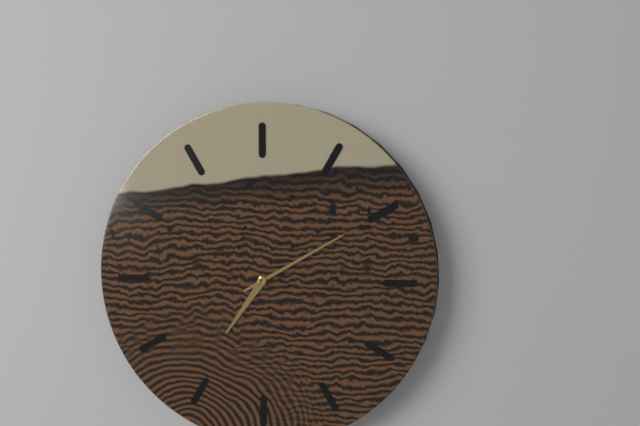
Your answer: **7:10**
